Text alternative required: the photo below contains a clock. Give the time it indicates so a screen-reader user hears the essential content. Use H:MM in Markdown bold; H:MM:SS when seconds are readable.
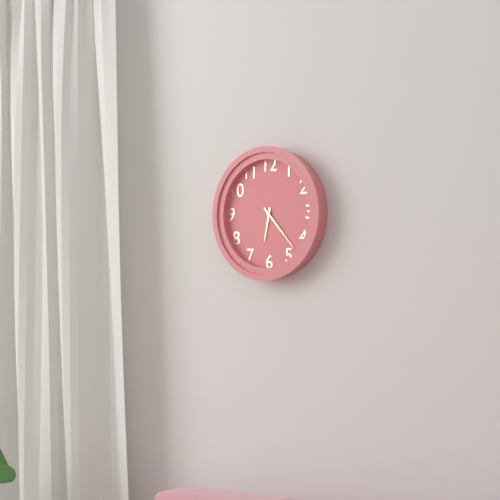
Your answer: **6:23**
